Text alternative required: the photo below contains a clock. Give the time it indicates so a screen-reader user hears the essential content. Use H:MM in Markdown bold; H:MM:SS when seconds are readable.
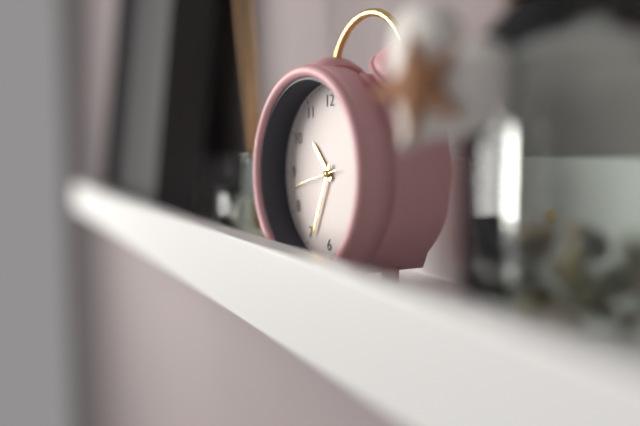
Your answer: **10:34**
